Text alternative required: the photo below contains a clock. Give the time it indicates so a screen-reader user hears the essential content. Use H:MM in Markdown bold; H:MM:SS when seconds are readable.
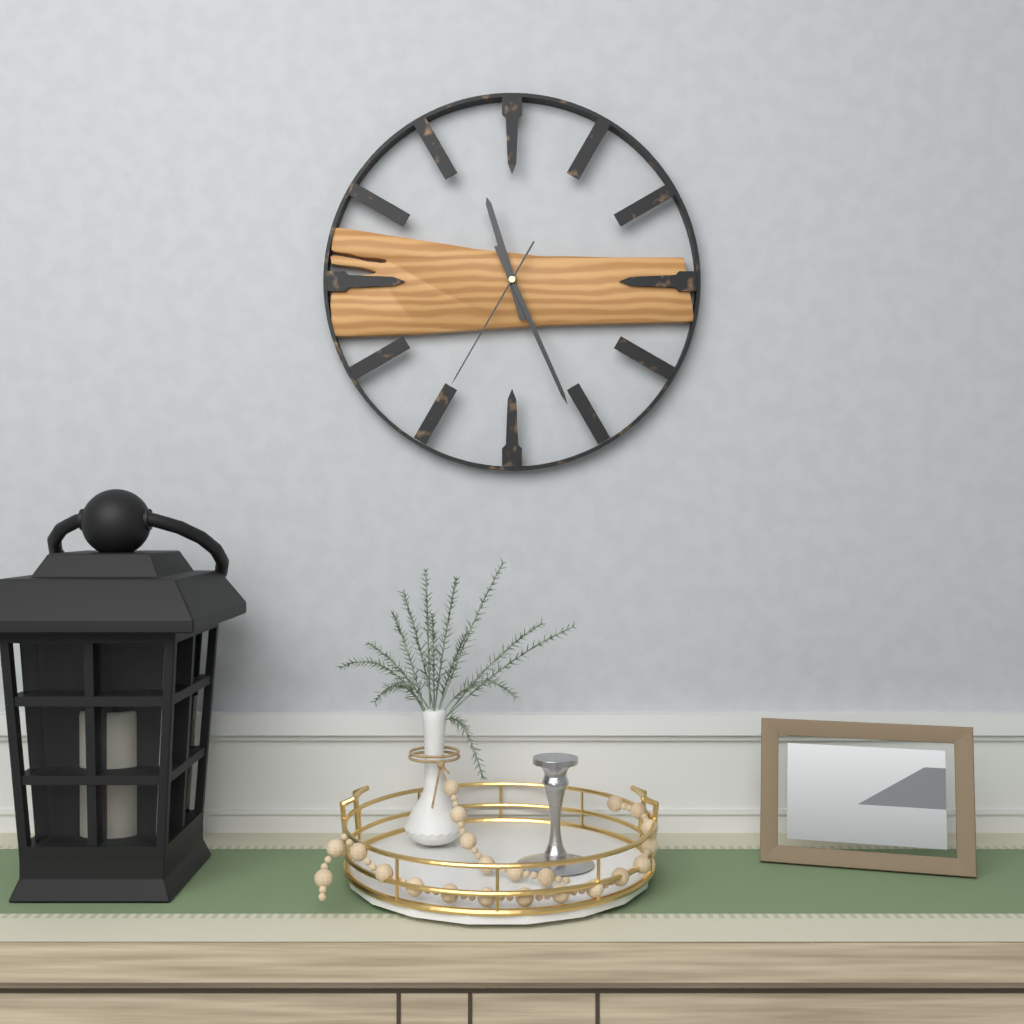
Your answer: **11:26:35**
